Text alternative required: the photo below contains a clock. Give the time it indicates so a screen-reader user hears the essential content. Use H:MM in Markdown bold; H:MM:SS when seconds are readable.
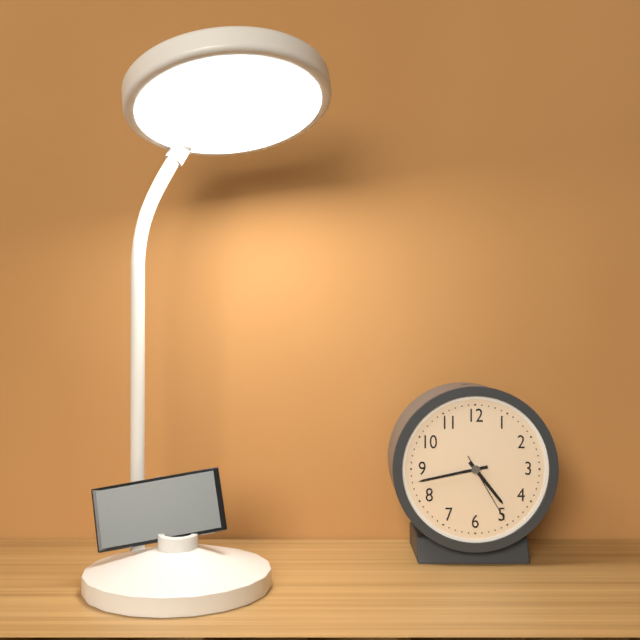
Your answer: **4:43:25**
